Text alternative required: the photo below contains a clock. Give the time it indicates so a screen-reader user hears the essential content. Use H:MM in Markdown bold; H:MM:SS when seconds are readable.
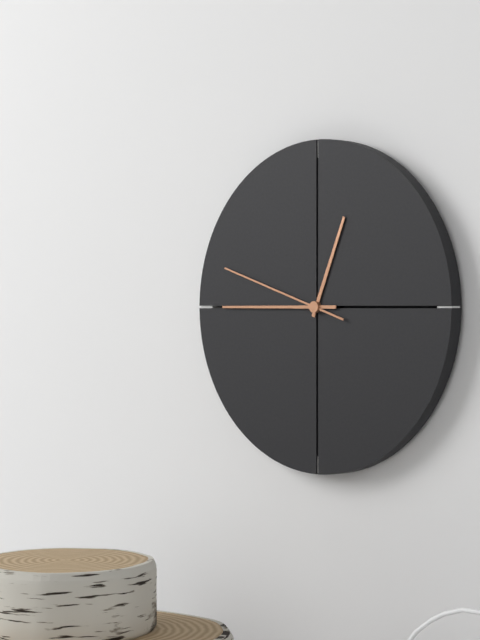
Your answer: **12:45:48**
